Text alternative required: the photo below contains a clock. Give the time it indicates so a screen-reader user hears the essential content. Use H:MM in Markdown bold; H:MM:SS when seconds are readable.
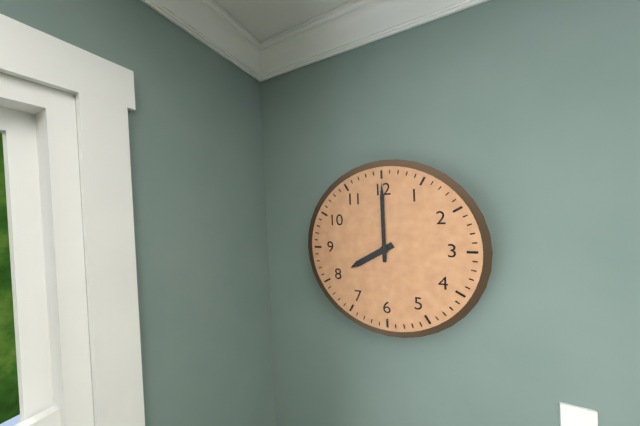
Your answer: **8:00**
